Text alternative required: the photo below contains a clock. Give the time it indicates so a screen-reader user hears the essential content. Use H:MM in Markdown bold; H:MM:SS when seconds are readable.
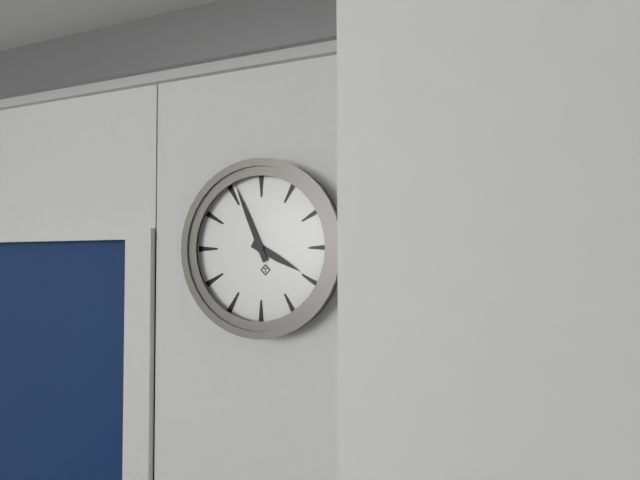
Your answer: **3:56**
